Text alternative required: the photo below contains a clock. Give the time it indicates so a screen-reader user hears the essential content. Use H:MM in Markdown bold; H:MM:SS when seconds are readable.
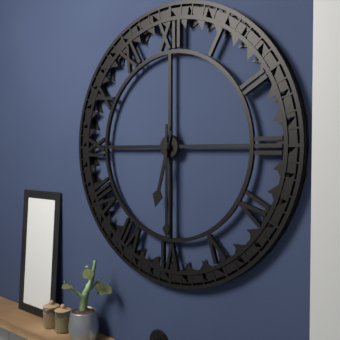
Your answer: **6:30**
